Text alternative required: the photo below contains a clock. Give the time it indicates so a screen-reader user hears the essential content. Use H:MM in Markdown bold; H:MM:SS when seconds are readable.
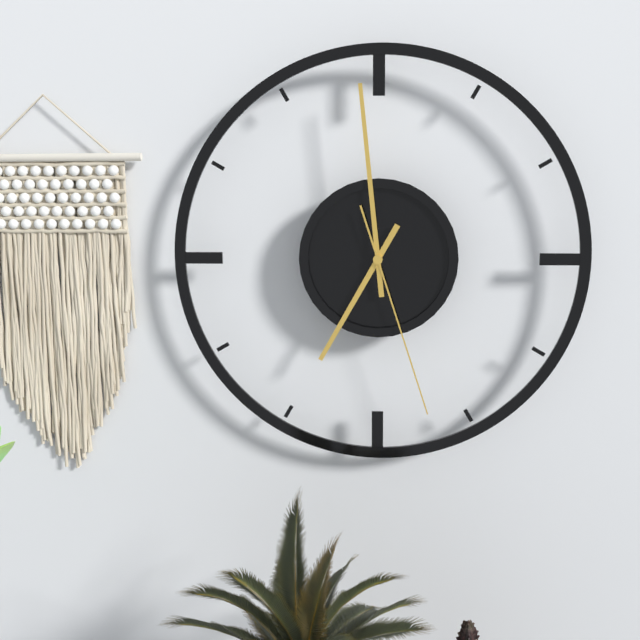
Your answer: **6:59:27**
